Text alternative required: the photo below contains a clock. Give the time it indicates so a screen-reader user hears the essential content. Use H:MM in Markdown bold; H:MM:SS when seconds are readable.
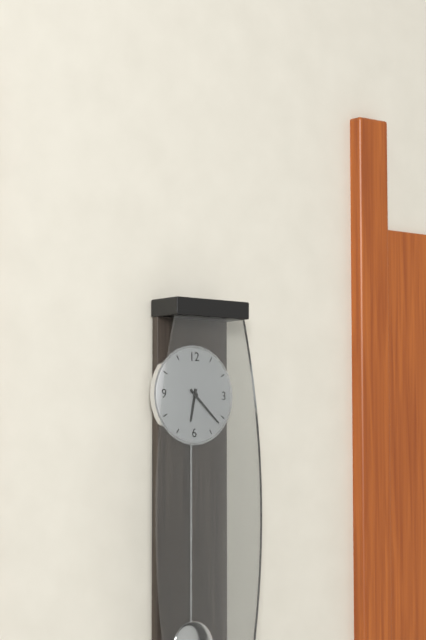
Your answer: **6:22**
